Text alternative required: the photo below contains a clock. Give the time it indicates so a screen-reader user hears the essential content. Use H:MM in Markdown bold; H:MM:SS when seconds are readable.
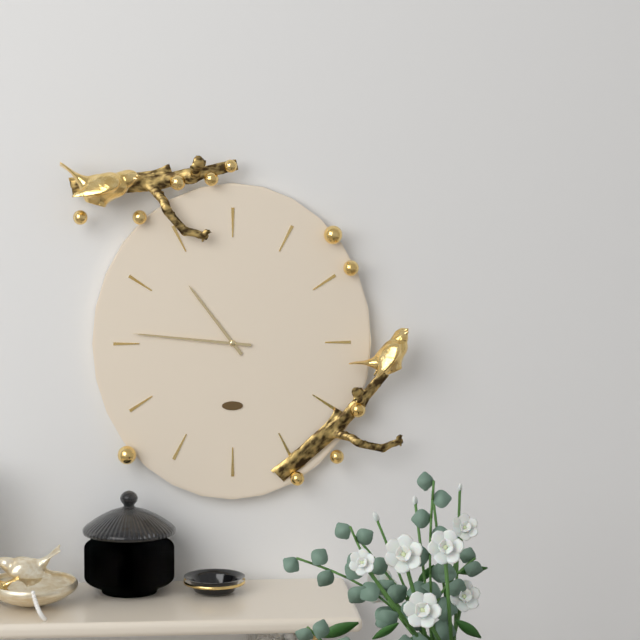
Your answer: **10:46**
